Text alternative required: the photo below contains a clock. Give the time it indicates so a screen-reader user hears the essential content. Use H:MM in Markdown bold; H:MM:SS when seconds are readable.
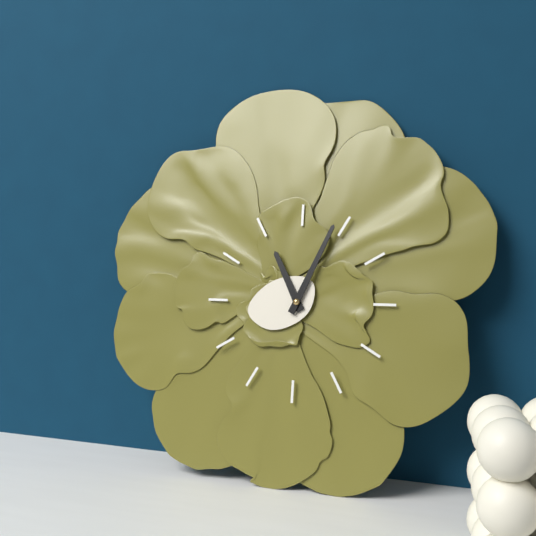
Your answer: **11:04**
